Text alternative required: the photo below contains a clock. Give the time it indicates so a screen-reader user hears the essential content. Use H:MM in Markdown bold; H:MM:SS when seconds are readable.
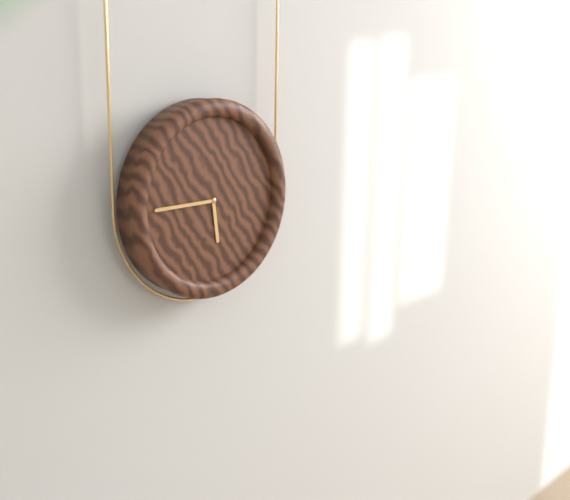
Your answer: **5:45**
